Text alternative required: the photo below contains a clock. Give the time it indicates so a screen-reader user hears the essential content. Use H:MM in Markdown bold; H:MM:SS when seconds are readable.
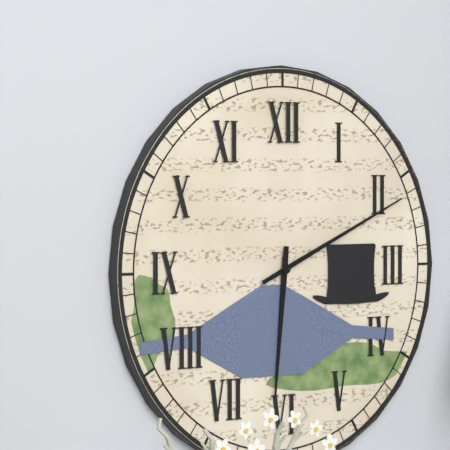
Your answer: **6:11**
